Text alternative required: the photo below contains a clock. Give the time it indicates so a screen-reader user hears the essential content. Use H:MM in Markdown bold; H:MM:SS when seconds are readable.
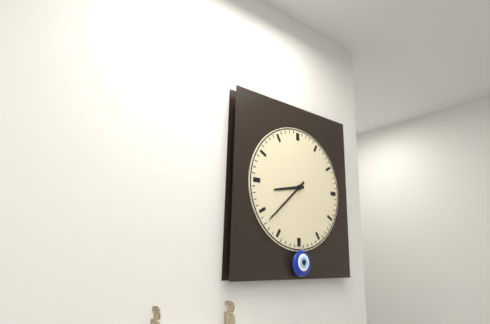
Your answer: **8:38**
